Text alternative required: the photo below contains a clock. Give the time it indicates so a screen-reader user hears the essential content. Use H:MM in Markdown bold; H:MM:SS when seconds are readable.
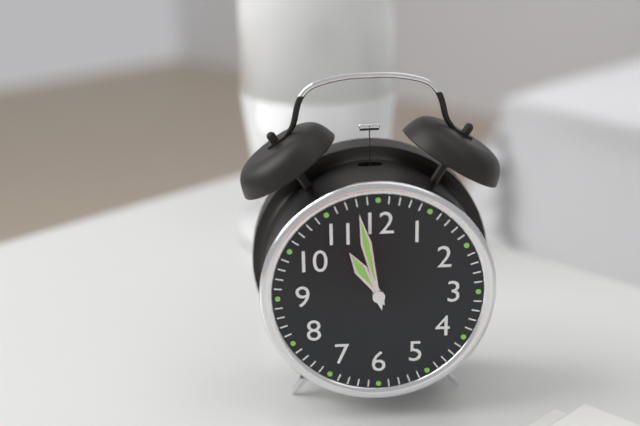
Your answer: **10:58**
